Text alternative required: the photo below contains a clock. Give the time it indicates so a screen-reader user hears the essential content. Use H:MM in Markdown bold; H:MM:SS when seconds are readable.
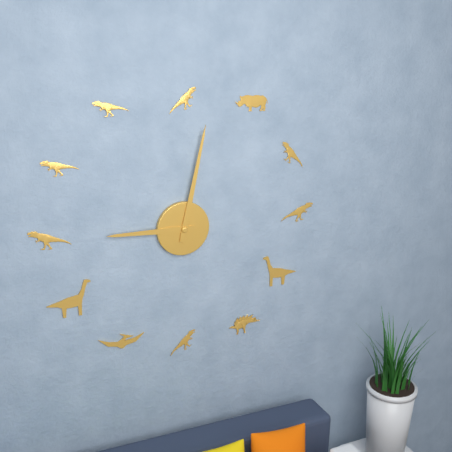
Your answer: **9:02**
